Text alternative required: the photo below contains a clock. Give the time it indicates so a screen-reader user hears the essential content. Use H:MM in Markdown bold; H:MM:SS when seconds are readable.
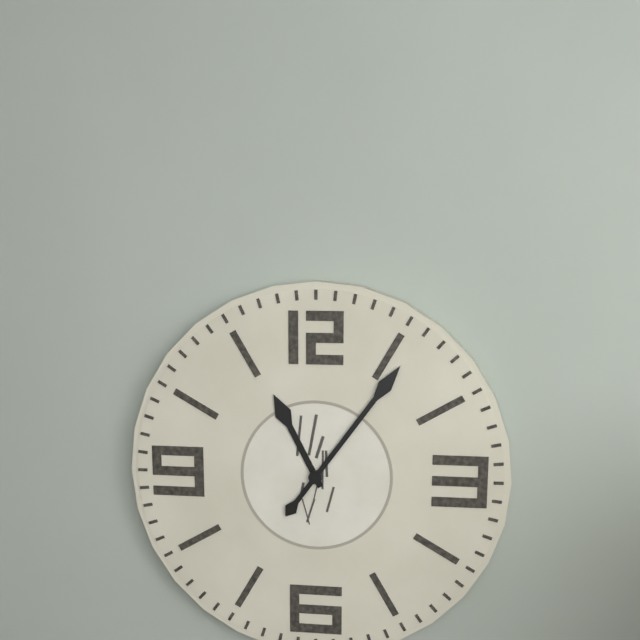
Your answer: **11:06**
